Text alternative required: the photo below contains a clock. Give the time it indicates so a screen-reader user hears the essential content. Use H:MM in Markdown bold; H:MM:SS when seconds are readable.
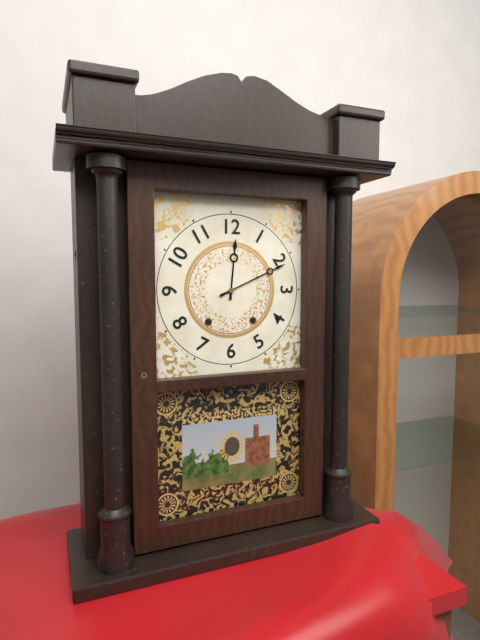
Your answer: **12:11**
